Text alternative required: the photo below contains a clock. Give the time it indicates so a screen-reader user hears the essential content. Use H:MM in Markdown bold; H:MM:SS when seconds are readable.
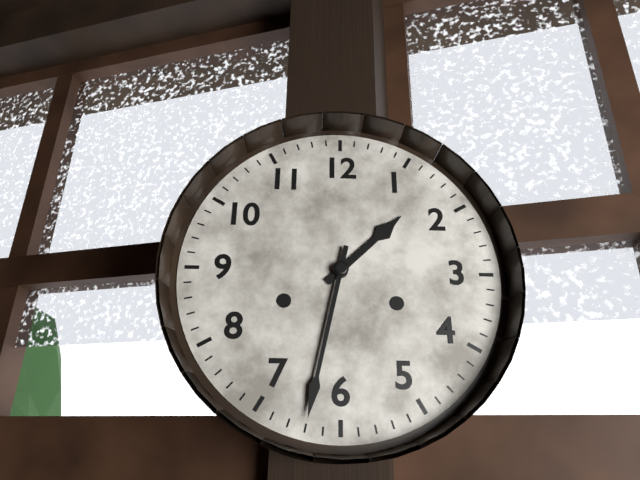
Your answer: **1:32**
